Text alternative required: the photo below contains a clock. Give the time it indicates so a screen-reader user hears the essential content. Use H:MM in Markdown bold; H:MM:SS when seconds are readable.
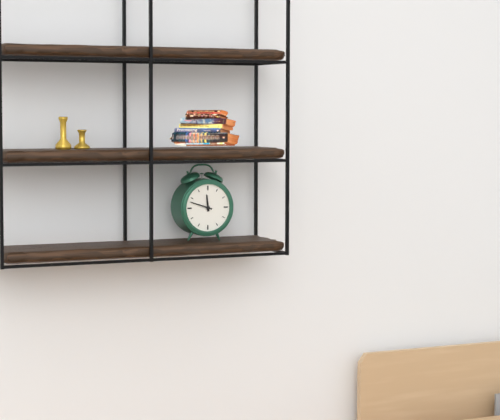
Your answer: **11:48**
